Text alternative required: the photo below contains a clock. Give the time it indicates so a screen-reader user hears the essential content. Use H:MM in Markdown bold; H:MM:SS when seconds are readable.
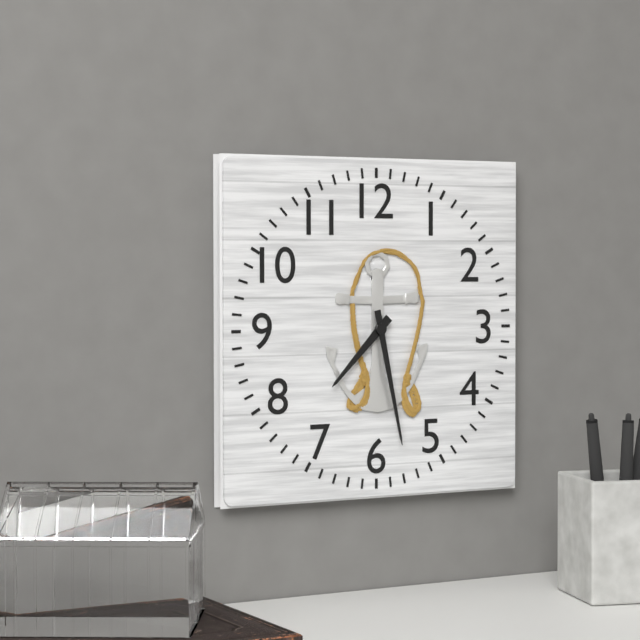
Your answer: **7:28**
